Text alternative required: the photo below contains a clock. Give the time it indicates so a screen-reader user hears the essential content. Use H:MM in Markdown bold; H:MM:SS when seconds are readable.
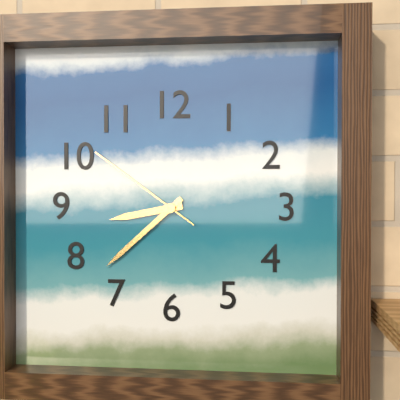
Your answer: **8:38:51**
